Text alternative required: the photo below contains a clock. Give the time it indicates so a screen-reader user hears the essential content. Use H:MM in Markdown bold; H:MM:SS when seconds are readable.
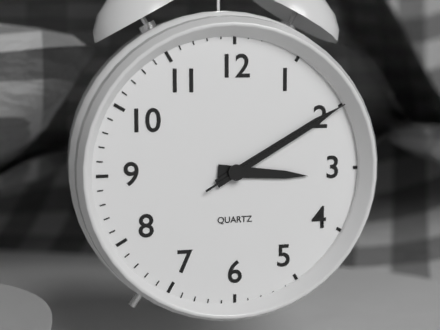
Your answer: **3:10:10**
